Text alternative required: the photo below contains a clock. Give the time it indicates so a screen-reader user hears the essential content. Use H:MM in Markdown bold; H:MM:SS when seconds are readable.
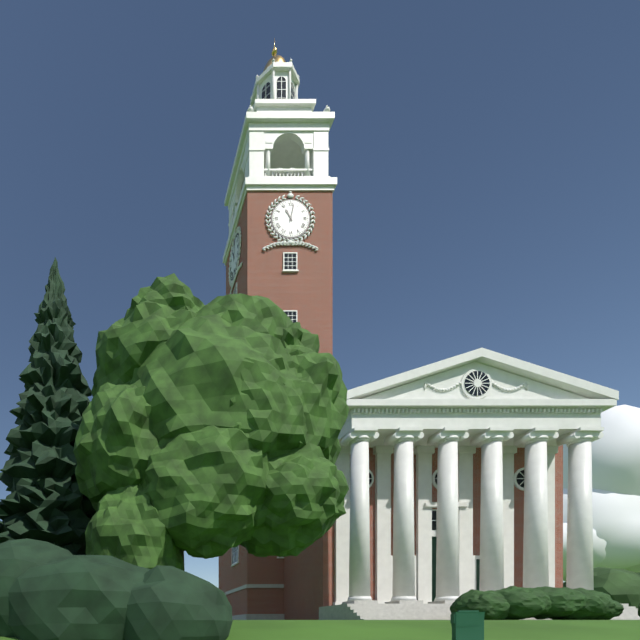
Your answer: **11:02**
